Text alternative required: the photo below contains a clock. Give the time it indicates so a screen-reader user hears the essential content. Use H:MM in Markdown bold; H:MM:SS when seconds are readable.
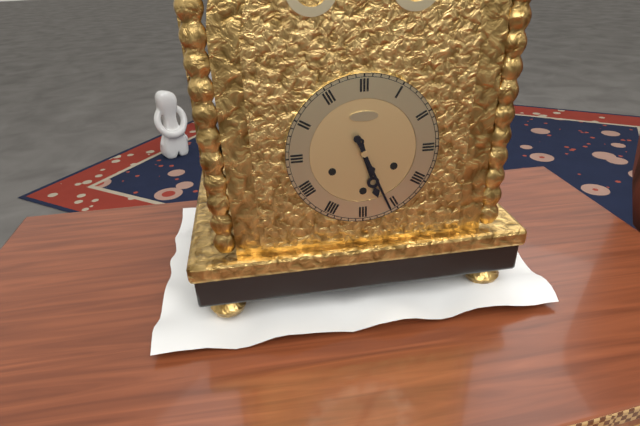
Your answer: **5:26**
